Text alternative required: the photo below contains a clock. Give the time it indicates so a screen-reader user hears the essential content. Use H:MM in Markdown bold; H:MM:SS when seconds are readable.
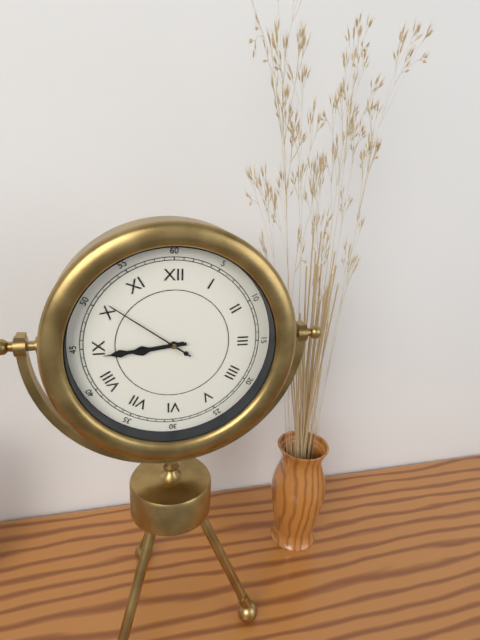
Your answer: **8:44:51**
